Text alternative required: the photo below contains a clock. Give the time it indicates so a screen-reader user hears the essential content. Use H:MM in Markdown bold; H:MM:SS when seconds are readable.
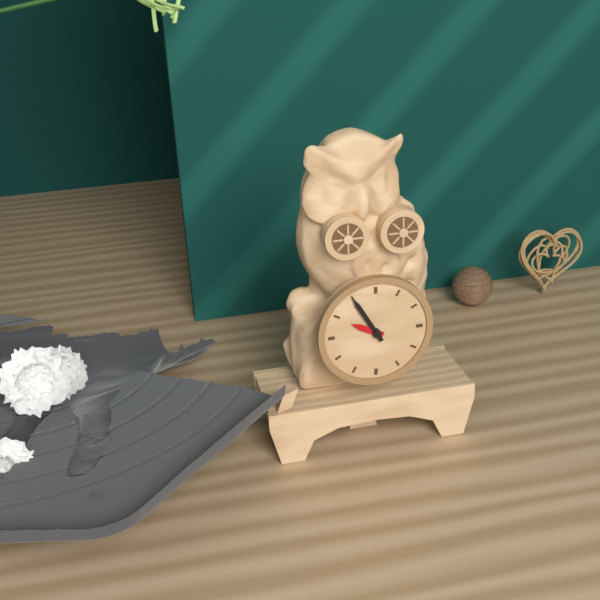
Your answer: **9:55**
